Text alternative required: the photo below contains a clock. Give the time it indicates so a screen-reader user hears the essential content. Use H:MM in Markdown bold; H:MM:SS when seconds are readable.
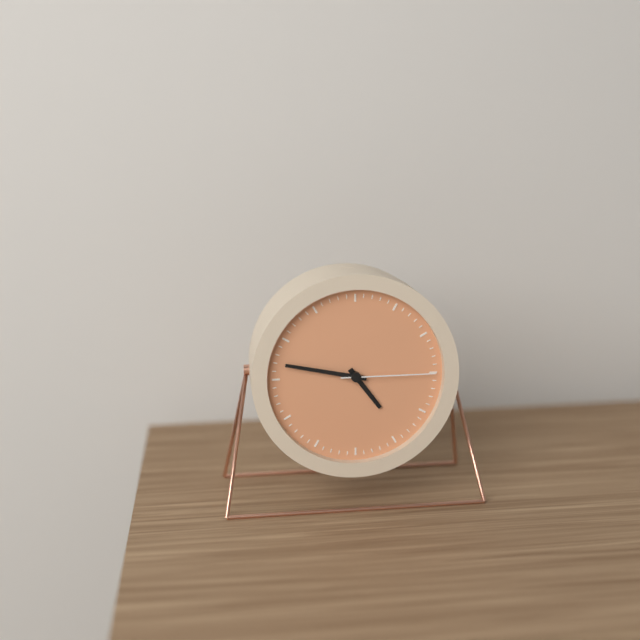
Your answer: **4:47:15**
